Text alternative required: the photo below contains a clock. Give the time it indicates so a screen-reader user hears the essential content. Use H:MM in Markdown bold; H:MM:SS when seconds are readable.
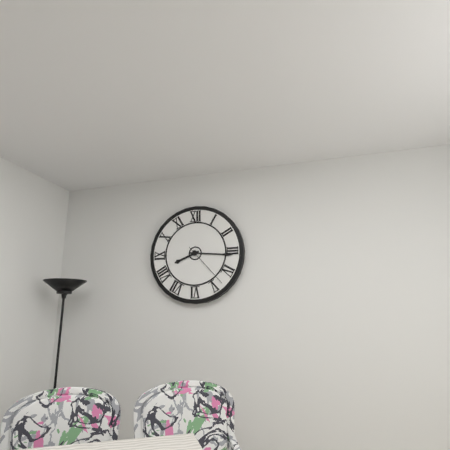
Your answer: **8:16**
